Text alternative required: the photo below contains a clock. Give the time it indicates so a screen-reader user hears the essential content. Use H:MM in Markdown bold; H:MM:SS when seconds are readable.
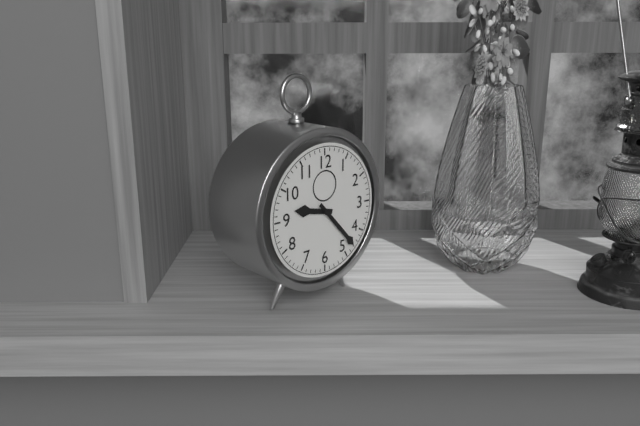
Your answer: **9:23**
